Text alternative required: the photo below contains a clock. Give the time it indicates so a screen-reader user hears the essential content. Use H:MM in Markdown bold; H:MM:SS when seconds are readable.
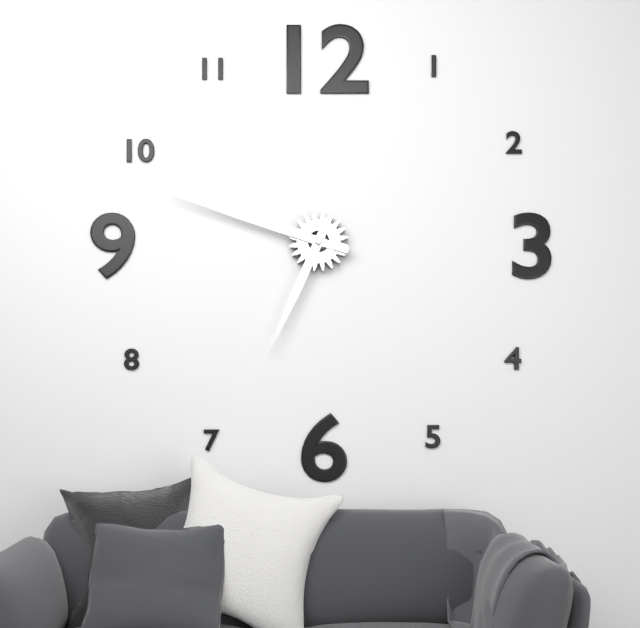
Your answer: **6:48**
